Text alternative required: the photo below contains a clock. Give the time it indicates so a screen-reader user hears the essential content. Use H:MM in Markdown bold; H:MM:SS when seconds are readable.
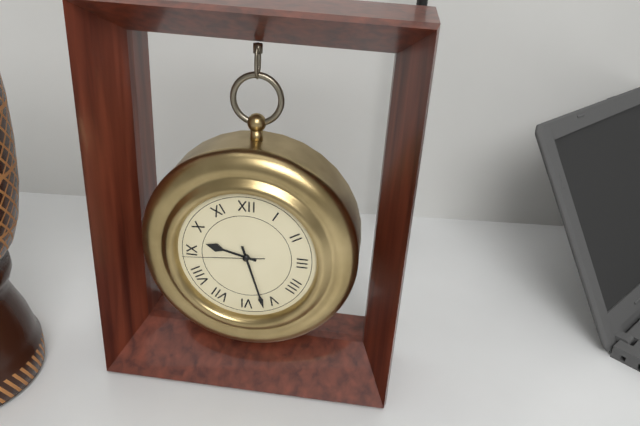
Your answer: **9:27:44**
